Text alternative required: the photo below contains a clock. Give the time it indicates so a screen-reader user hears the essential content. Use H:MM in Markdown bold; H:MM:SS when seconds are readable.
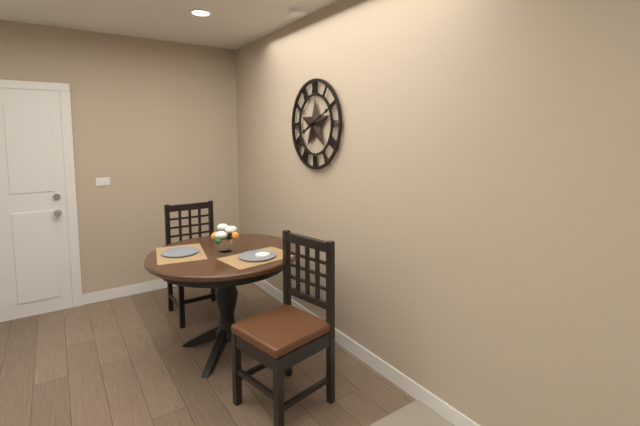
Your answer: **8:11**
